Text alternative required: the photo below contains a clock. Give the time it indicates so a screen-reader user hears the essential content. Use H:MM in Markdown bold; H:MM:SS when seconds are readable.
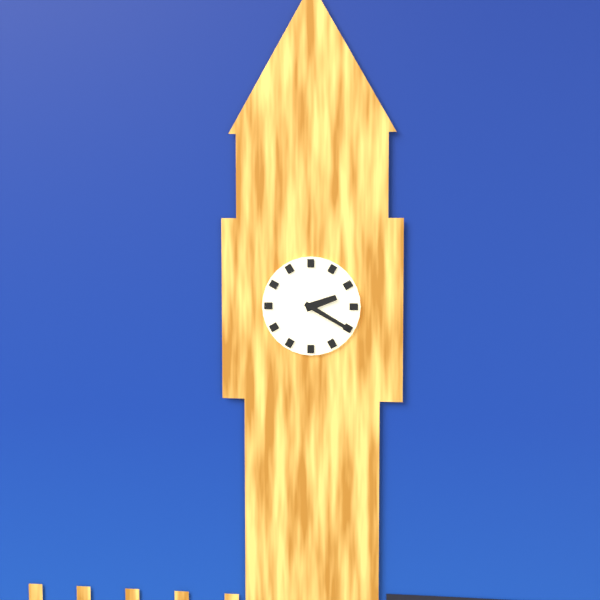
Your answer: **2:20**
